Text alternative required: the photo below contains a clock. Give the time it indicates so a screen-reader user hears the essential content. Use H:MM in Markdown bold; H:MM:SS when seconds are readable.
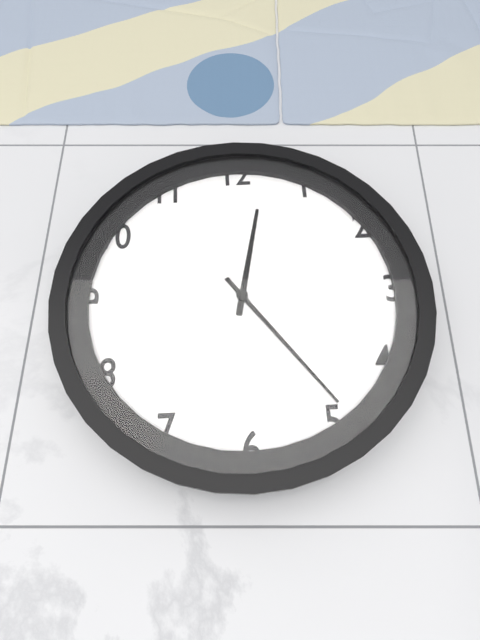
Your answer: **12:24**
